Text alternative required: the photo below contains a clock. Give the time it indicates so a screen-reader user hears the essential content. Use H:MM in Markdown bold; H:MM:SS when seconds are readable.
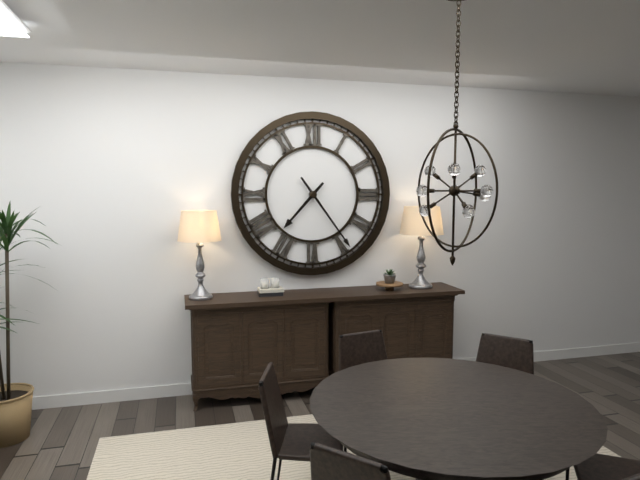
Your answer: **7:24**
